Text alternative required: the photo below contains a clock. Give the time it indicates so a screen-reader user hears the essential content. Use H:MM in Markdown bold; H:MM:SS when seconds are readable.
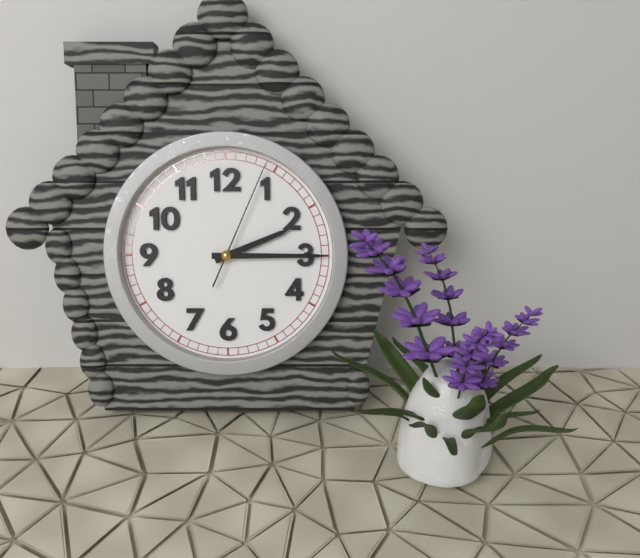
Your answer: **2:15:04**
